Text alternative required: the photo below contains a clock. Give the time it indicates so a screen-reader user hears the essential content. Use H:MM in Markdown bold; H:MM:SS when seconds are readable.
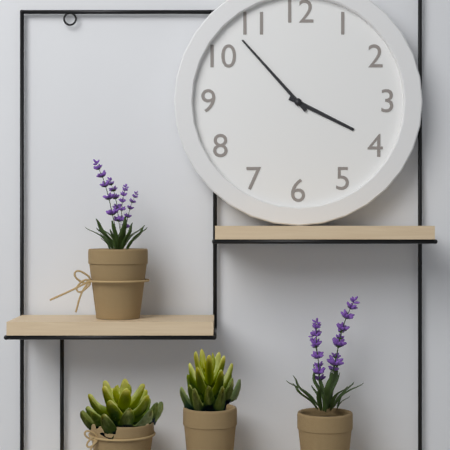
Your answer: **3:53**
